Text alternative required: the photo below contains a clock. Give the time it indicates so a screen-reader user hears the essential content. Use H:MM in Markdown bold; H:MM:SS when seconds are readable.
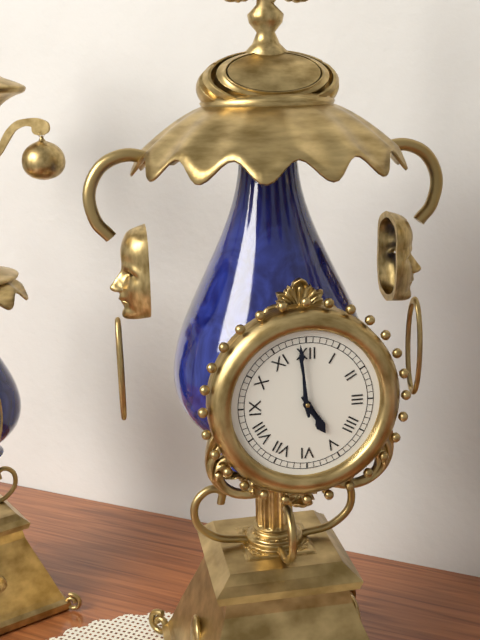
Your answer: **4:59**
